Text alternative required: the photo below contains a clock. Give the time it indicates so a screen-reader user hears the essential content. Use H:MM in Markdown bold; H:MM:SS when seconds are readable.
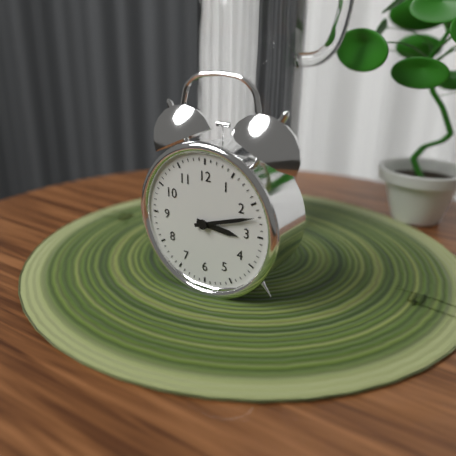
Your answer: **3:12**
